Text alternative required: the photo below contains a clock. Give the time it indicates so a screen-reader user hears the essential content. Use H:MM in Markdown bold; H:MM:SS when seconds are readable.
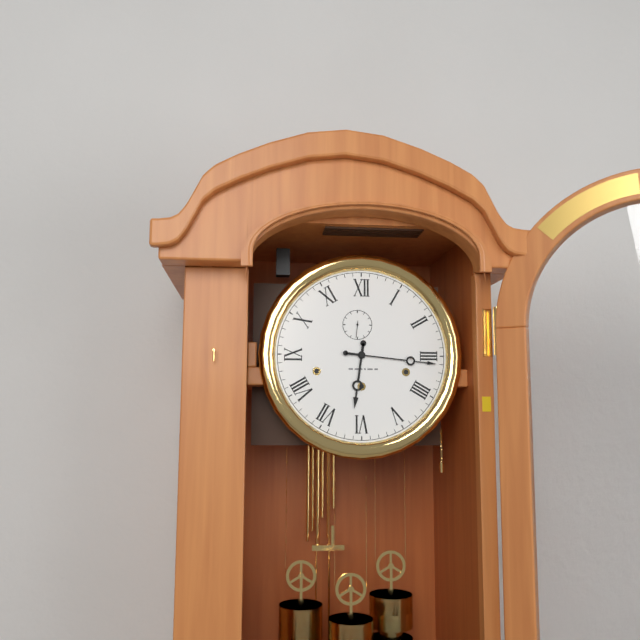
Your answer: **6:16**
